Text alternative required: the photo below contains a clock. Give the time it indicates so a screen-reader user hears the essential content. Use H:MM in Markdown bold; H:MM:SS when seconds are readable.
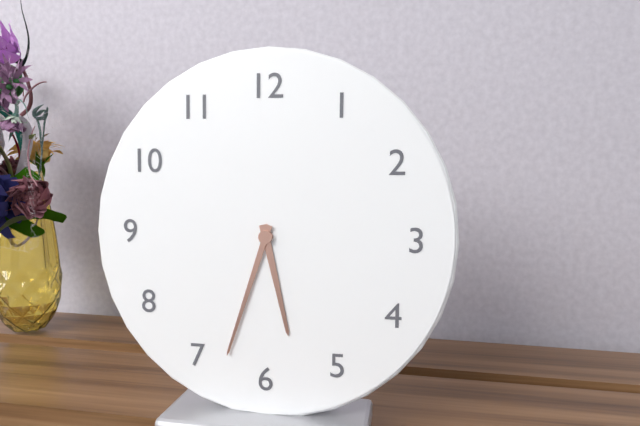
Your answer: **5:33**
